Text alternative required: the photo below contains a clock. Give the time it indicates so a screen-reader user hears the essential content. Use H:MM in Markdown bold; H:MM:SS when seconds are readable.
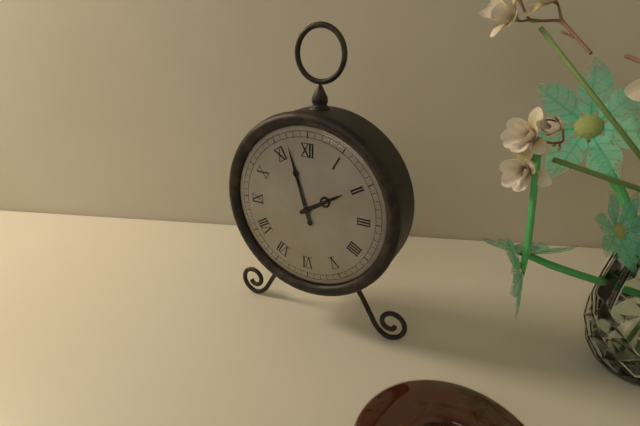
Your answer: **1:57**
